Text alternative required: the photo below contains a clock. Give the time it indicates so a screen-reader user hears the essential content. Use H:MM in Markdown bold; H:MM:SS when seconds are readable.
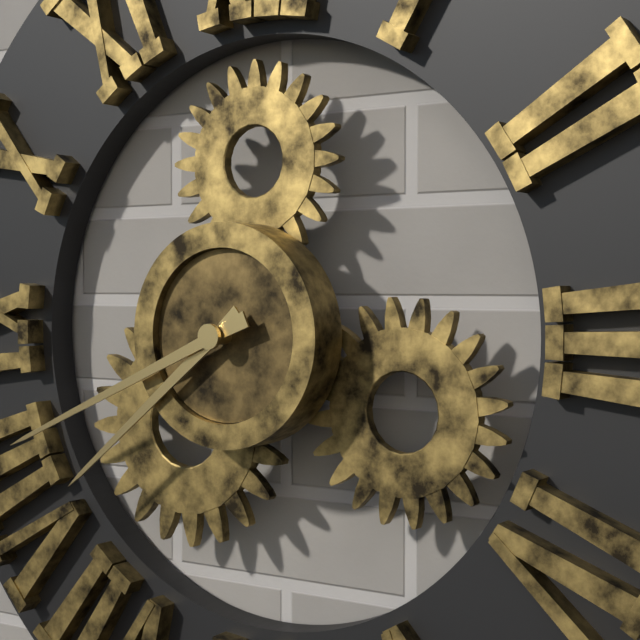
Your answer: **7:41**
